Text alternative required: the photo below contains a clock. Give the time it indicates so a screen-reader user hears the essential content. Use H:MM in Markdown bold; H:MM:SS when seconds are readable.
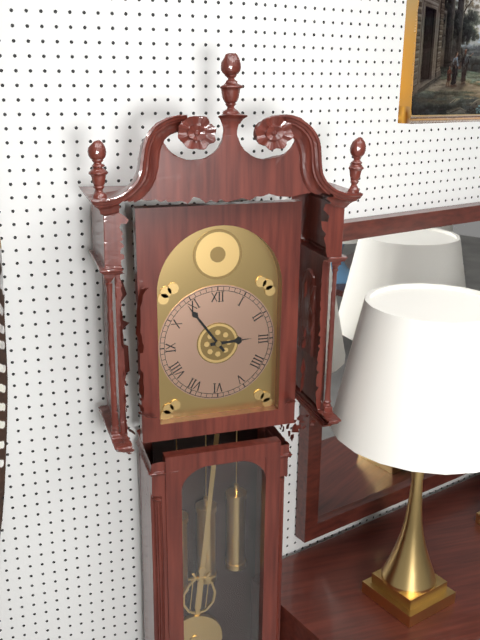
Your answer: **2:54**
